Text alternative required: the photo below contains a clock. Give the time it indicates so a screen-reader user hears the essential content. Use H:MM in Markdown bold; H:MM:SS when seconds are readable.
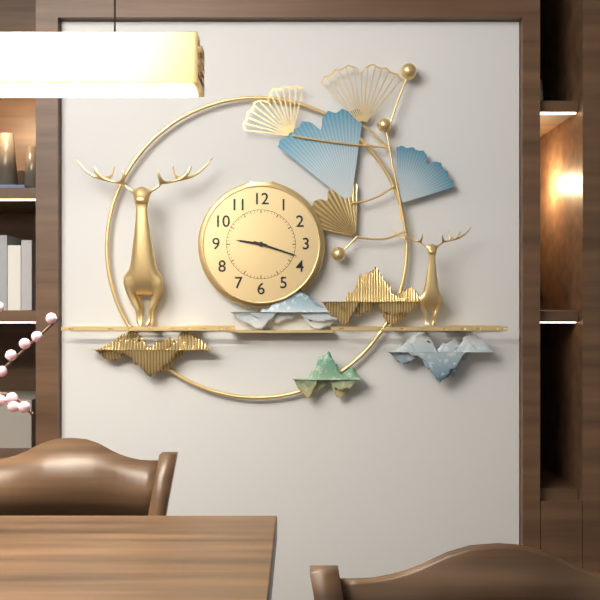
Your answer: **9:18**
